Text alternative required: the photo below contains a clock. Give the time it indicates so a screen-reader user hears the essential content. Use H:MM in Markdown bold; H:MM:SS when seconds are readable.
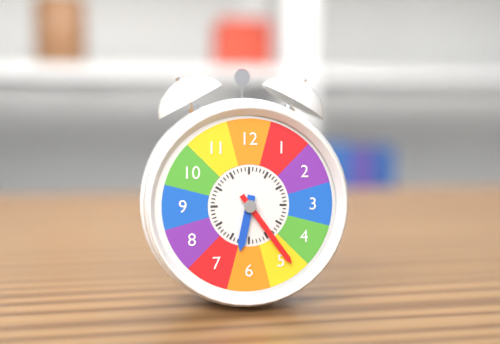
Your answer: **6:24**
